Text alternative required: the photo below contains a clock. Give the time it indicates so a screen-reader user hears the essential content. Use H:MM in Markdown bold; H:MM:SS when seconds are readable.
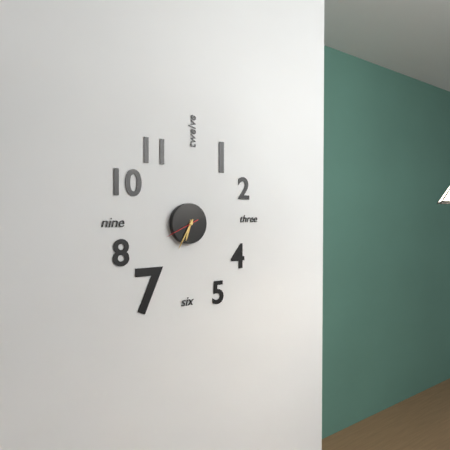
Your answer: **6:35**
